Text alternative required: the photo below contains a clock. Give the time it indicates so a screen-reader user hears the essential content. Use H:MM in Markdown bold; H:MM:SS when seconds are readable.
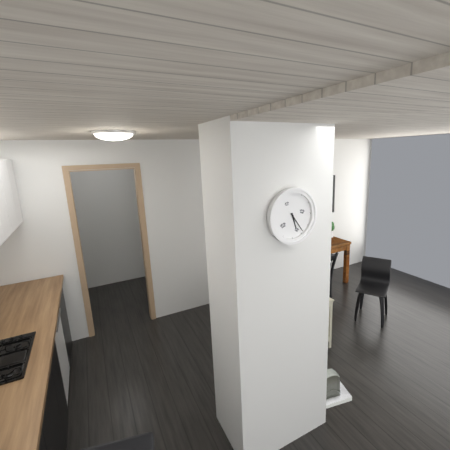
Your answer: **5:24**
